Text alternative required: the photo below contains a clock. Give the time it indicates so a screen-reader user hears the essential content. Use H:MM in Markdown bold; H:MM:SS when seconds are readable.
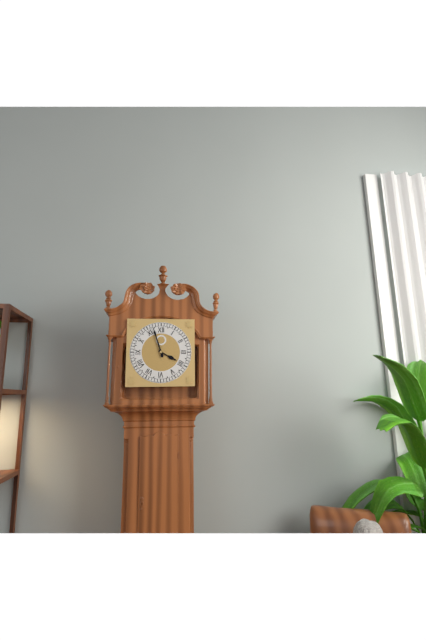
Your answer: **3:57**
